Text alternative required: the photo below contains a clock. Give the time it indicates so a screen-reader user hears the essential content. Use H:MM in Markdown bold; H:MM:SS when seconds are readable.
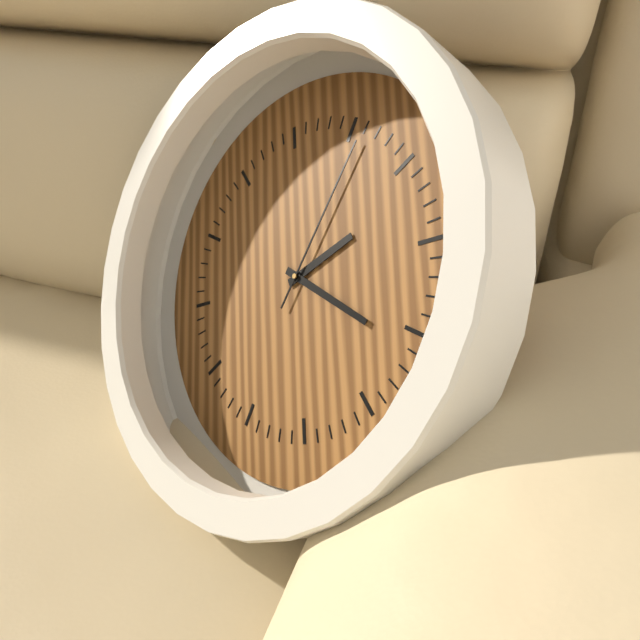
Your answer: **2:21:06**
